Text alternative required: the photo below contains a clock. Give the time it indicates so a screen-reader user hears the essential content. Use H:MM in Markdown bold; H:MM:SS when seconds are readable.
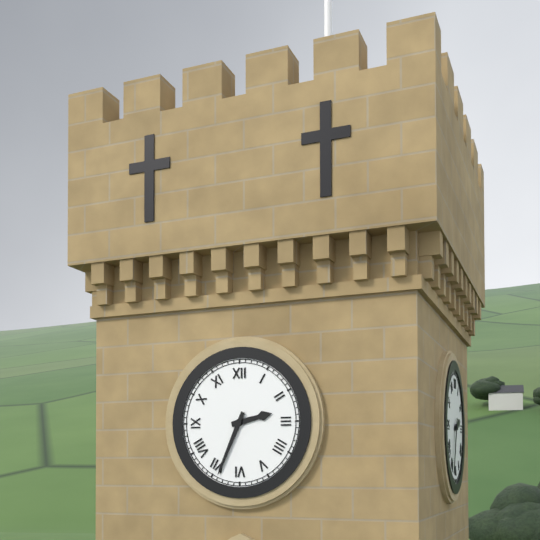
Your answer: **2:34**
